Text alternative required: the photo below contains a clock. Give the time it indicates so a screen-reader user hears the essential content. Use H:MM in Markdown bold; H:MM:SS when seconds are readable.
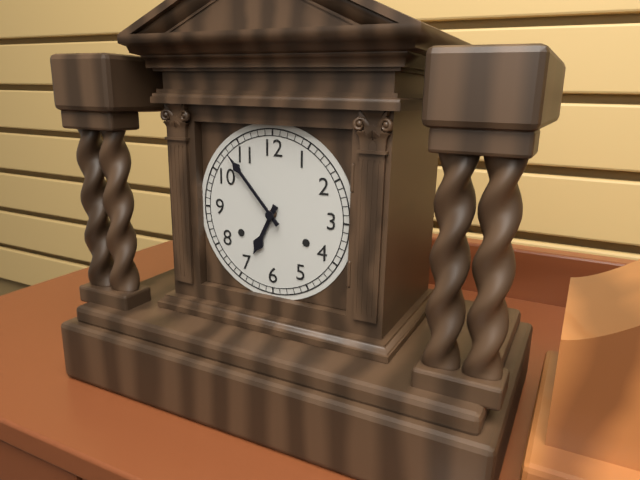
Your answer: **6:53**
